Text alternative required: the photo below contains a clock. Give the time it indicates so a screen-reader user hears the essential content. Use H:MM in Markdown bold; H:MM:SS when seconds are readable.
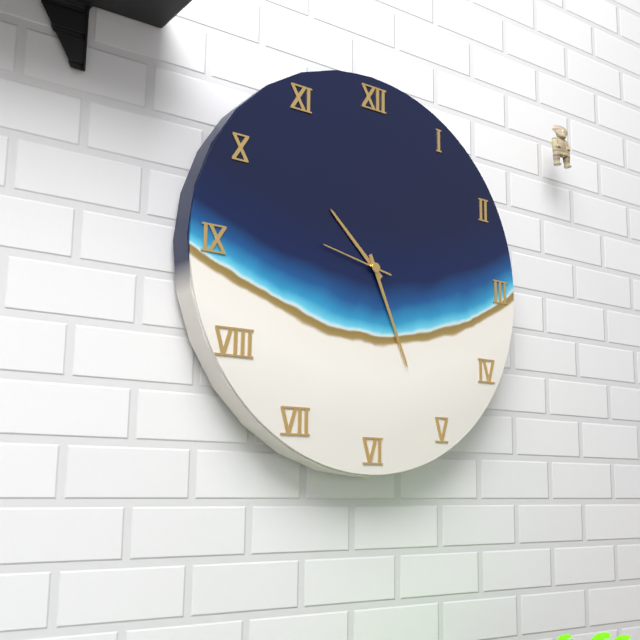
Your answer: **10:26:47**
